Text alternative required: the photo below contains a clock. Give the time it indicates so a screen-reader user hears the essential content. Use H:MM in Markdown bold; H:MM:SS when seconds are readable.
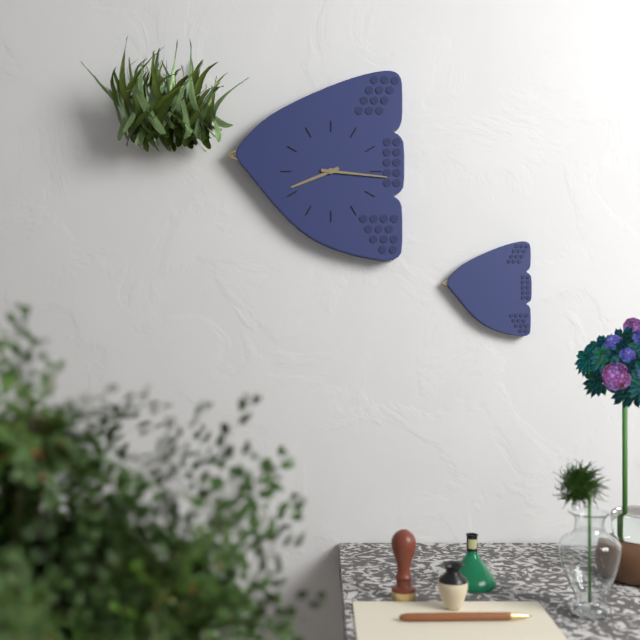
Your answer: **8:16**
